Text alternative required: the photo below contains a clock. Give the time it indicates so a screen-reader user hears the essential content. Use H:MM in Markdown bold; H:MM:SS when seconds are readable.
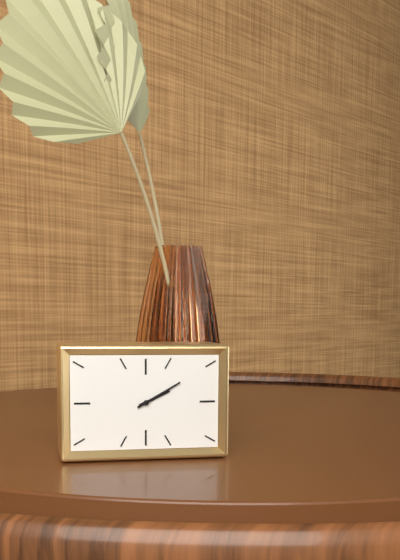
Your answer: **2:10**
